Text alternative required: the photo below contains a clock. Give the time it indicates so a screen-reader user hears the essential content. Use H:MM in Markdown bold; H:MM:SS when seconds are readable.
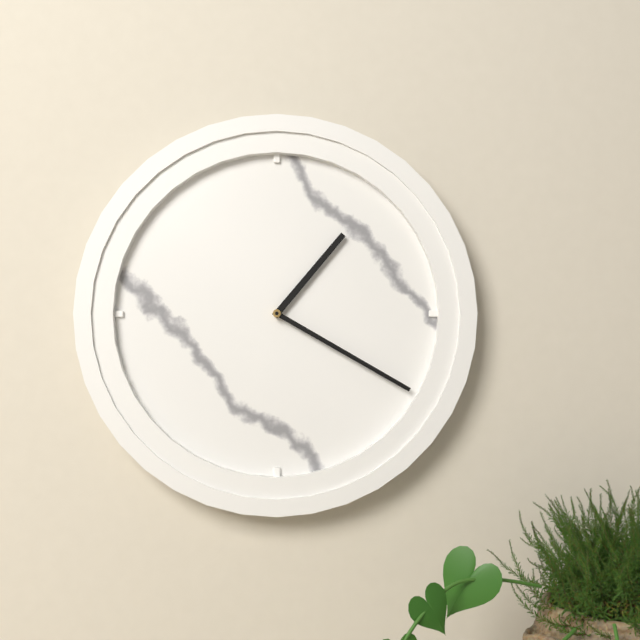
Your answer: **1:20**
